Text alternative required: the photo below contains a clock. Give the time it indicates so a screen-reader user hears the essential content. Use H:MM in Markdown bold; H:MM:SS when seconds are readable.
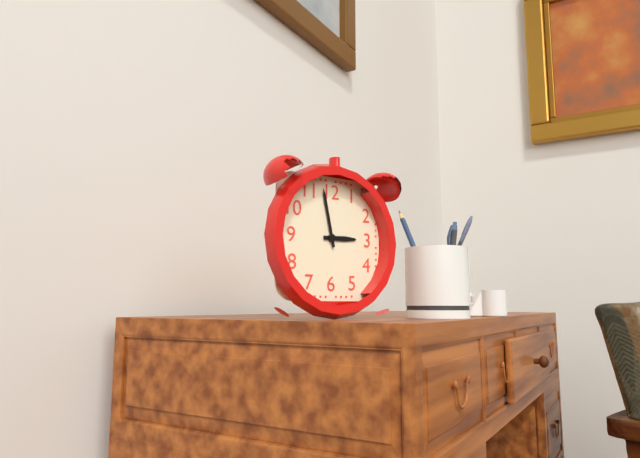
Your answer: **2:58**
